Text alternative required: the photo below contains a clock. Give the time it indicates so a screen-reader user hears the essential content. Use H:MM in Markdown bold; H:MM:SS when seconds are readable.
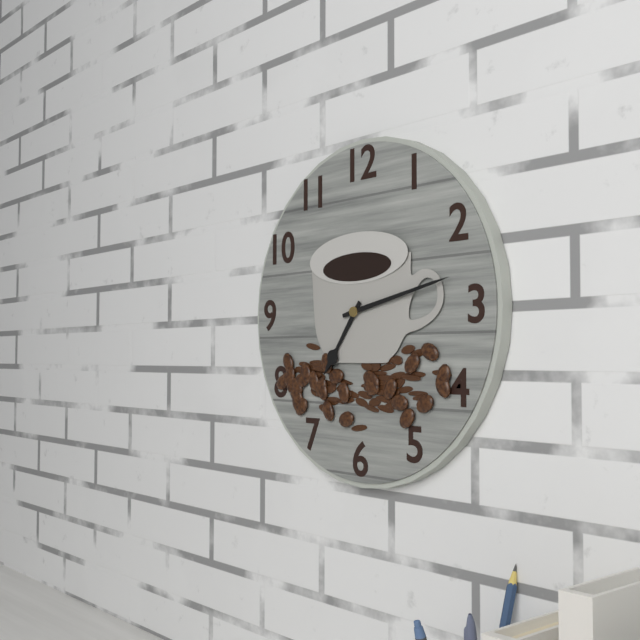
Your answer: **7:13**
